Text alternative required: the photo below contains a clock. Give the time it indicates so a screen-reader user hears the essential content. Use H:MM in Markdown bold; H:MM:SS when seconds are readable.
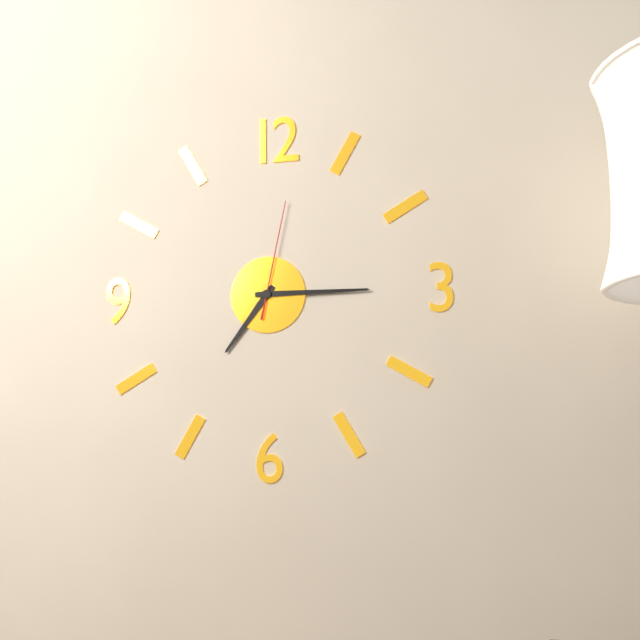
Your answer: **7:15:02**
